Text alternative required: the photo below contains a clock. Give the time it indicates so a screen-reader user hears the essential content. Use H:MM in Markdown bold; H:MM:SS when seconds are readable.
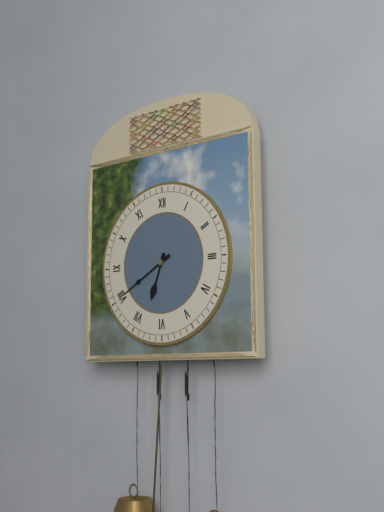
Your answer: **6:40**
